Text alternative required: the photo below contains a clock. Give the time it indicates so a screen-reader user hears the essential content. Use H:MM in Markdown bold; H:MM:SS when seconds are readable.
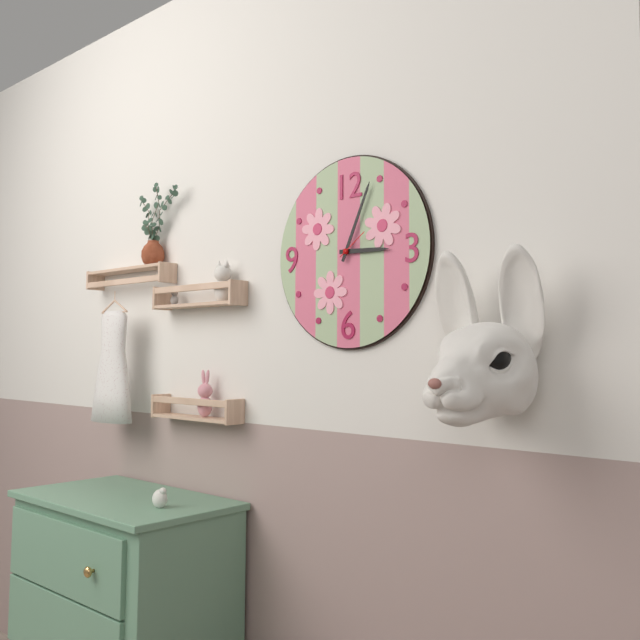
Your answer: **3:04**
